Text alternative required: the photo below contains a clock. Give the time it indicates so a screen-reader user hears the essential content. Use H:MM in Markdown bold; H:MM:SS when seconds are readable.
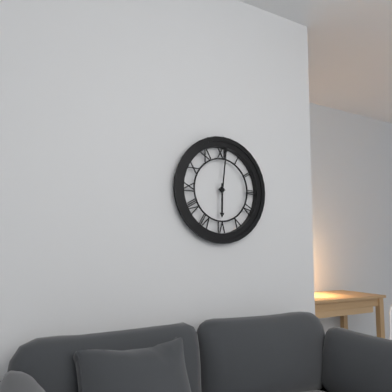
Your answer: **6:01**
